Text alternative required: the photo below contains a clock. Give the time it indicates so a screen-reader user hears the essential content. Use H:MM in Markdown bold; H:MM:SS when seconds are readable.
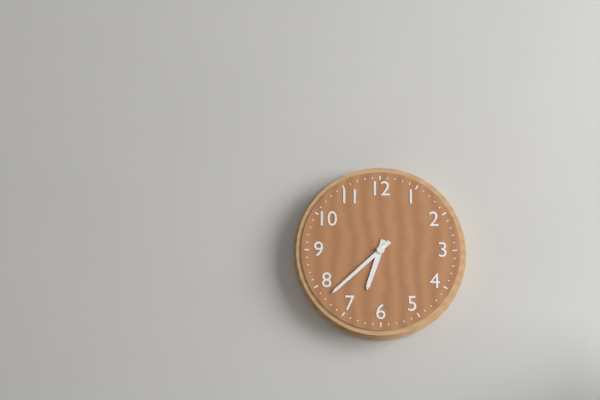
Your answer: **6:38**
